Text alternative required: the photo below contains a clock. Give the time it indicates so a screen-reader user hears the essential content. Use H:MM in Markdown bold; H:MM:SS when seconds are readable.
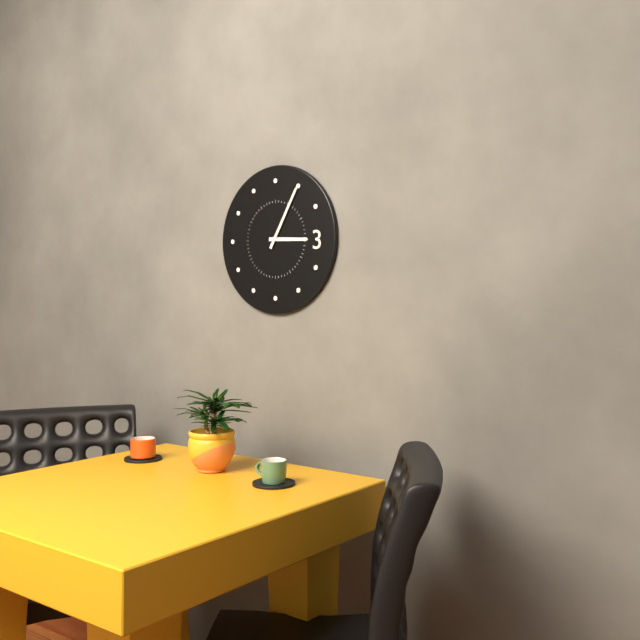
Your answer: **3:05**
